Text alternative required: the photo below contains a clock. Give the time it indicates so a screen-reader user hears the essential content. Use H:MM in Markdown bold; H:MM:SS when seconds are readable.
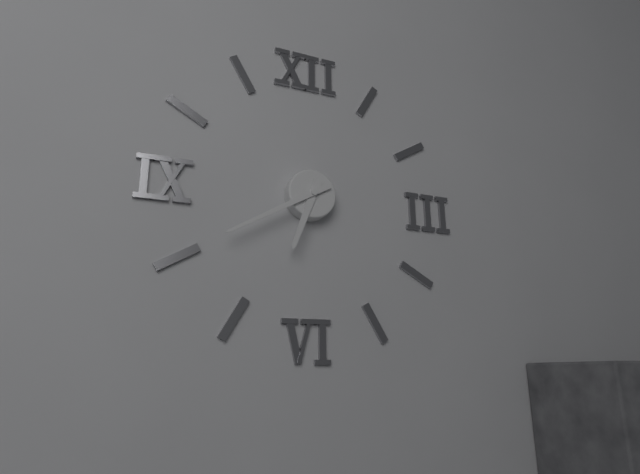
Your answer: **6:40**
